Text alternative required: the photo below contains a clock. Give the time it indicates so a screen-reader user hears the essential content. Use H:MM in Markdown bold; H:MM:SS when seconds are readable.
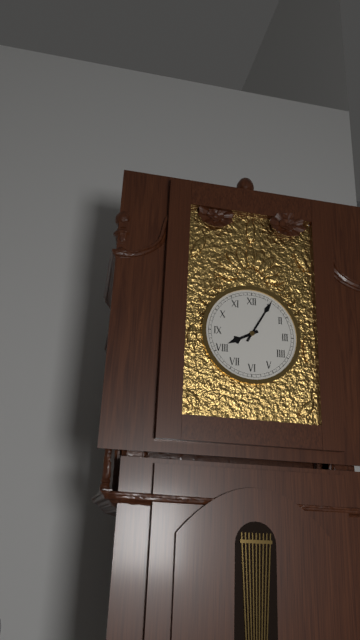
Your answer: **8:05**
